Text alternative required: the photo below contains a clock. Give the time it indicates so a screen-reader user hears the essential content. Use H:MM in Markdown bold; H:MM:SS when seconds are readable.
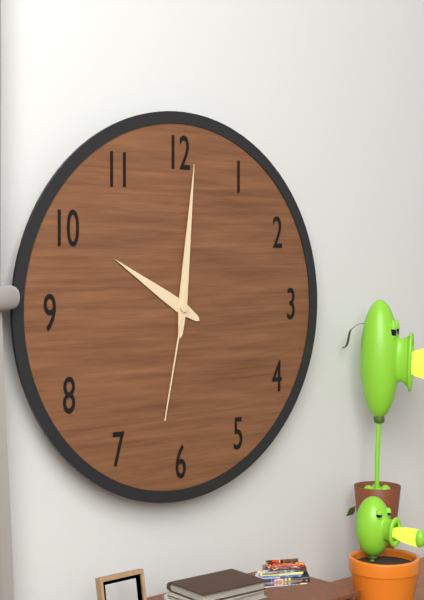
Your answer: **10:01:32**
